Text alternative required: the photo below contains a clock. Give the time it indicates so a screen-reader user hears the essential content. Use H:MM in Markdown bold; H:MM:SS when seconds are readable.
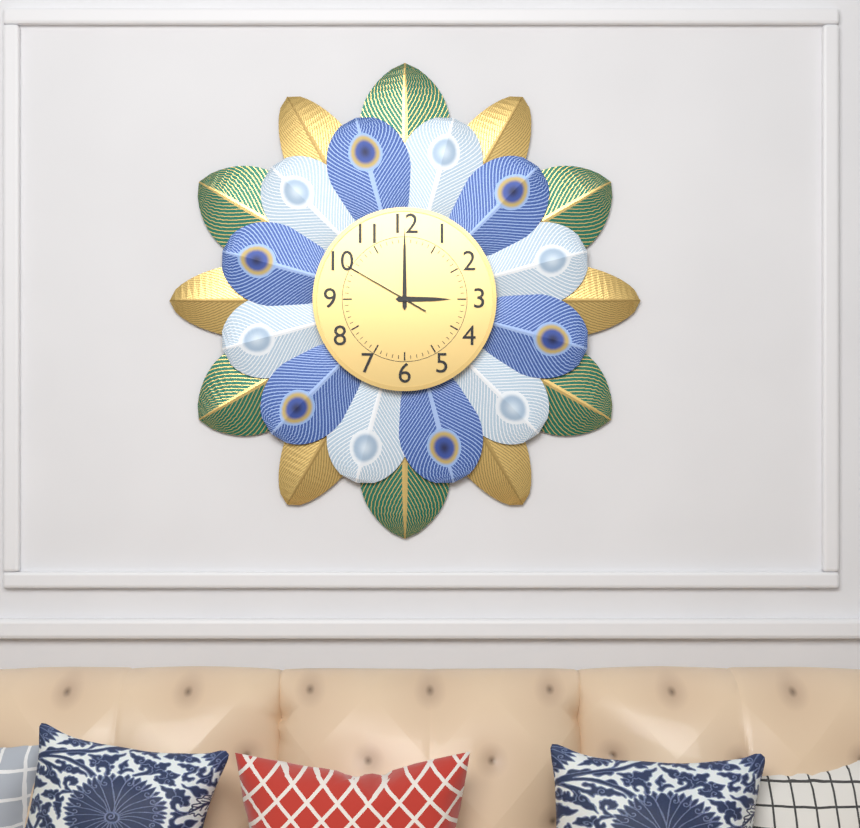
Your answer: **3:00:50**
